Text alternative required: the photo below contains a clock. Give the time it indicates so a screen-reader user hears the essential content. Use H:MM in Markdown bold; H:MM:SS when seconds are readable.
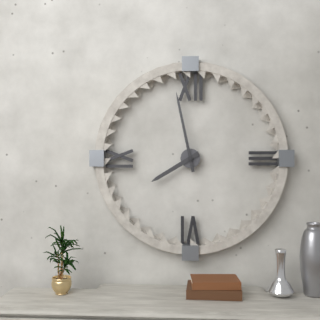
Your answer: **7:58**
